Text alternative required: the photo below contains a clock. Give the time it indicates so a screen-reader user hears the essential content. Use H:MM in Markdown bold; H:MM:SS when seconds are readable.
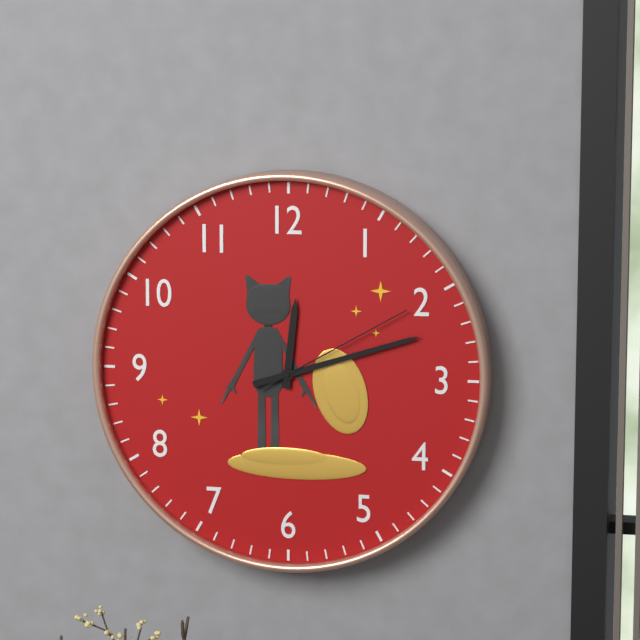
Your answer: **12:12:10**
